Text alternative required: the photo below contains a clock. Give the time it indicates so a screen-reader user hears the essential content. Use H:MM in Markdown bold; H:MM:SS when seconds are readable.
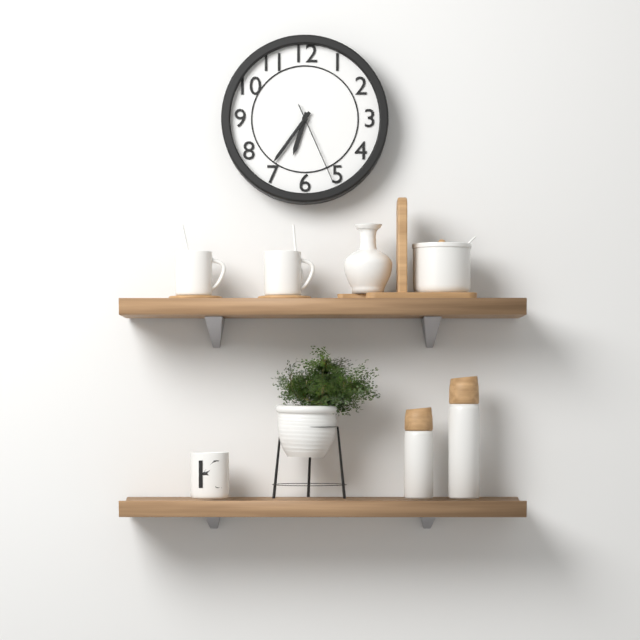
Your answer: **6:36:26**
